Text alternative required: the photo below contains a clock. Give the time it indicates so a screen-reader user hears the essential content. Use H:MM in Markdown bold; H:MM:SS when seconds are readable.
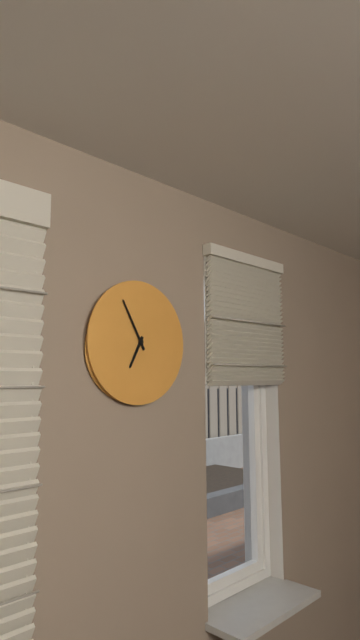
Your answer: **6:55**
